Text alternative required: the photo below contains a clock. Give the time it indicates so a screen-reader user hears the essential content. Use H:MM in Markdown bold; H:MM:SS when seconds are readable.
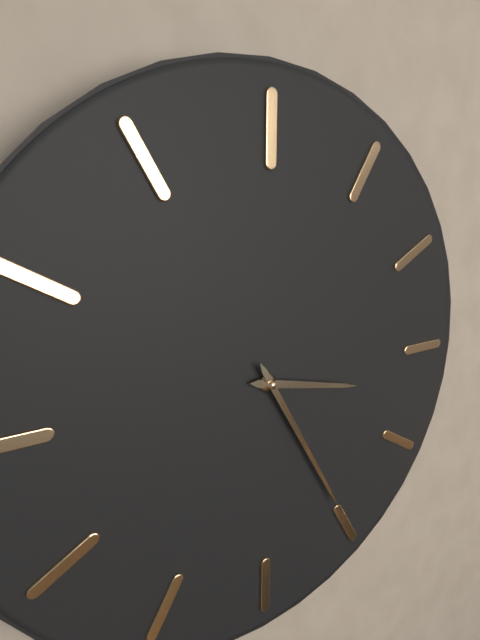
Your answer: **3:25**
